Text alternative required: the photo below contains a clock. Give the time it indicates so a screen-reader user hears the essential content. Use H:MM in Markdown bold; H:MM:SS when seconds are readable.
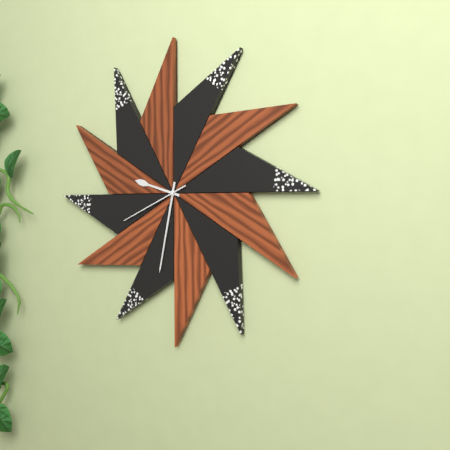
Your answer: **9:32:41**
